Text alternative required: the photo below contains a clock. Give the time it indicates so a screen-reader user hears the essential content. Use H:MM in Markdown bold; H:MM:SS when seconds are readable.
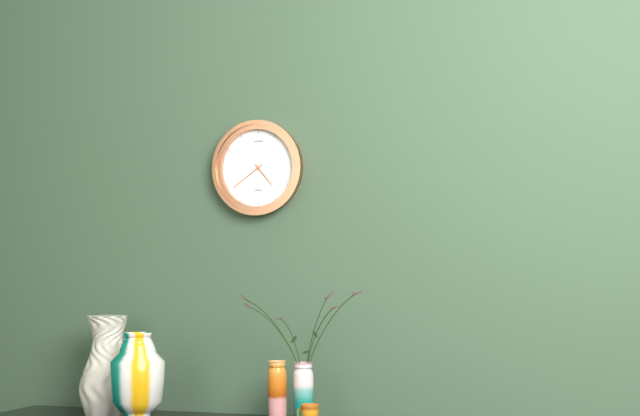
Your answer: **4:39**
